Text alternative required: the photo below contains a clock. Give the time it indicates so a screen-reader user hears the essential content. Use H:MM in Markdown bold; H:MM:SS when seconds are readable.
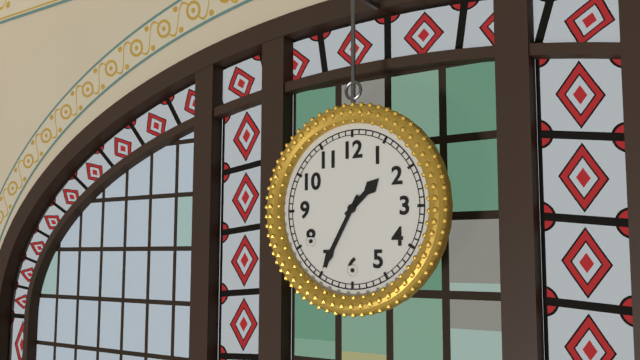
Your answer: **1:35**
